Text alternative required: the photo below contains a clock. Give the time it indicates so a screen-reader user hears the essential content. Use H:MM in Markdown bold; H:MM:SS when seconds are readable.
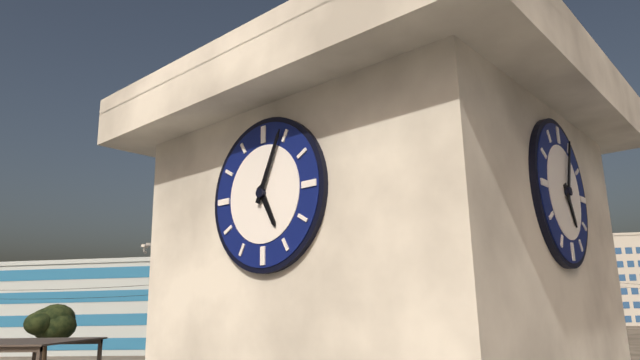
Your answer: **5:04**
